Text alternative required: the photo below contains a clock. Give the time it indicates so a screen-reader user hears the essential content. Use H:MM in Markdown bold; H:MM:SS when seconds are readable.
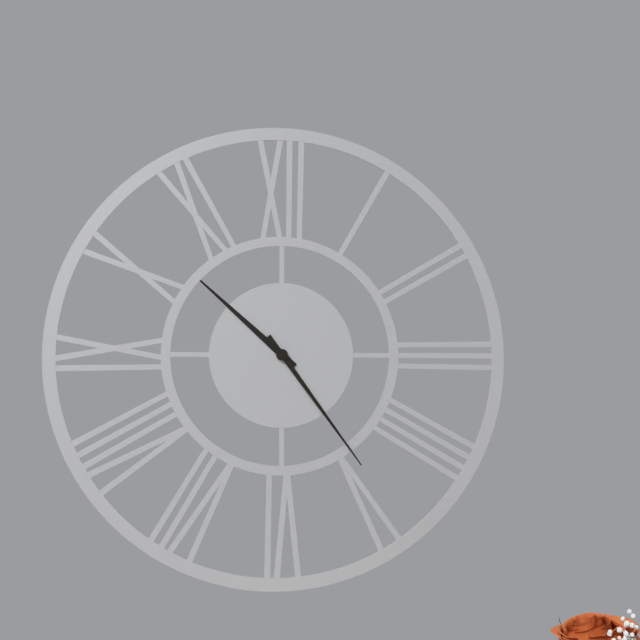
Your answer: **10:24**
